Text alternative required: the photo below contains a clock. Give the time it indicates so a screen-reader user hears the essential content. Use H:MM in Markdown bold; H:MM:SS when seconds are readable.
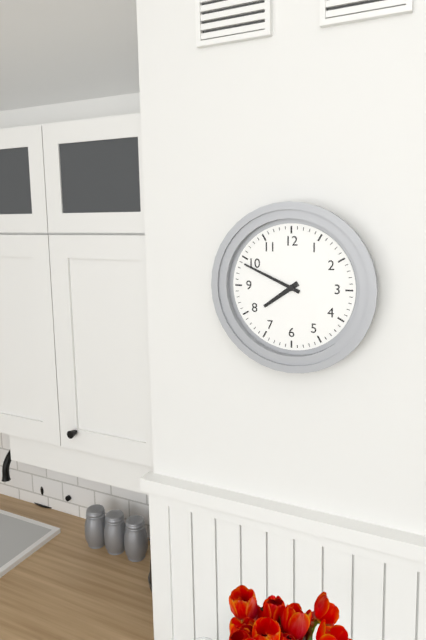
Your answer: **7:49**
